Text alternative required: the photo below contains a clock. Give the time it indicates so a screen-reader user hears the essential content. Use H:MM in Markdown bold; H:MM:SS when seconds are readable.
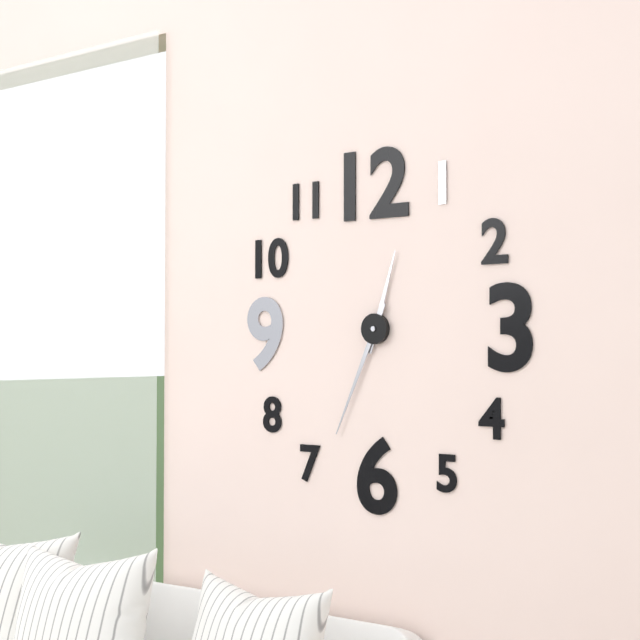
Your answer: **12:34**
